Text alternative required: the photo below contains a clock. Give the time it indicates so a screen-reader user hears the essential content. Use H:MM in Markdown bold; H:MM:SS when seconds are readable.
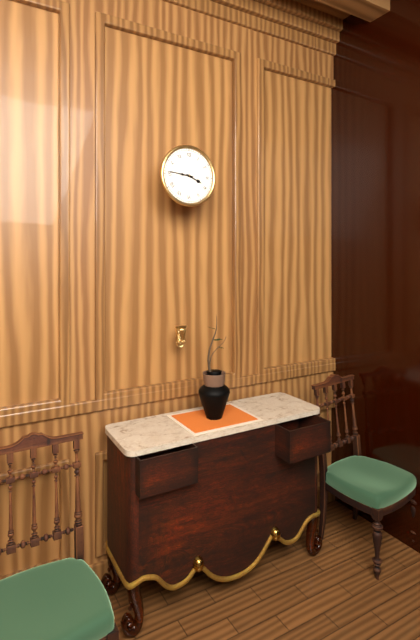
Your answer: **3:46**
